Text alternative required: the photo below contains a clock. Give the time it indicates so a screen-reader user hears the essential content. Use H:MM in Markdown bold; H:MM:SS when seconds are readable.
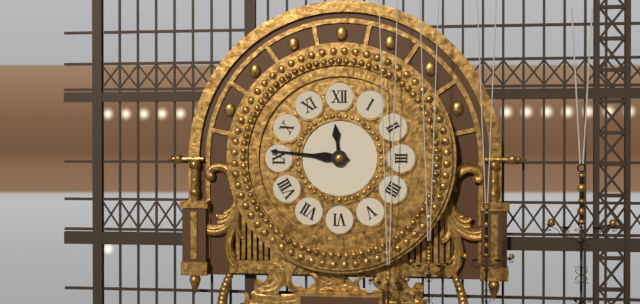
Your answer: **11:46**
